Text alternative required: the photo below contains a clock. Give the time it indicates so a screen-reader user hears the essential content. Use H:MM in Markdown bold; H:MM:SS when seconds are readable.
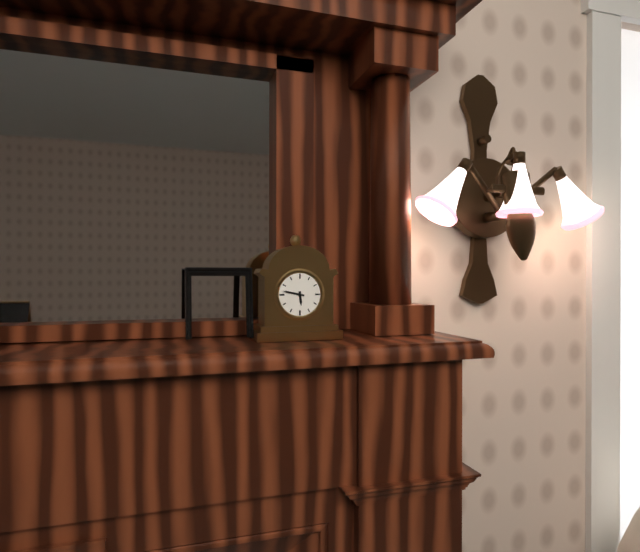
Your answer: **5:47**
